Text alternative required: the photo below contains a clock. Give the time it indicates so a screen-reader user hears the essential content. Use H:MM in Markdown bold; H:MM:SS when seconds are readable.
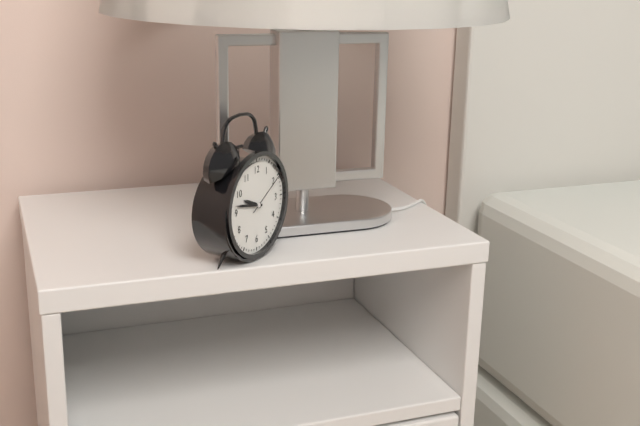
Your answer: **9:47**
